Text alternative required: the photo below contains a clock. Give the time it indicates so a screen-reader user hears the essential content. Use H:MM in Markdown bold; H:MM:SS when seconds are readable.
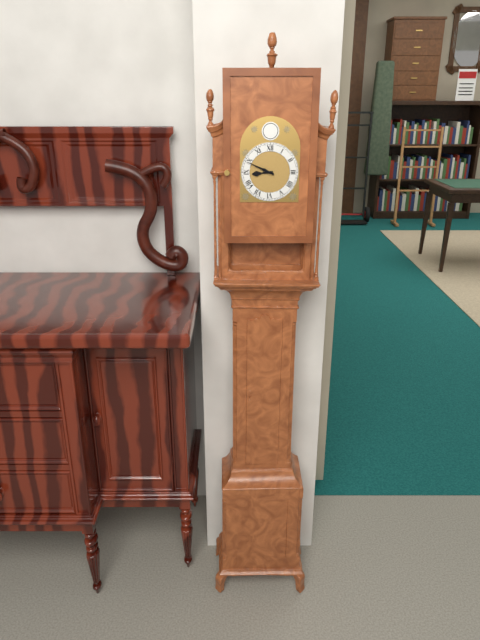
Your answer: **8:49**
